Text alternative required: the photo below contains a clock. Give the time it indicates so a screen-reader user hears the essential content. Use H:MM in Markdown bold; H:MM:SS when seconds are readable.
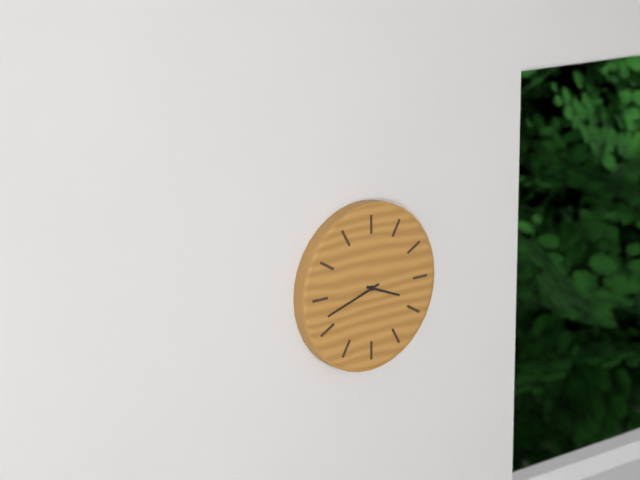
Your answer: **3:42**
